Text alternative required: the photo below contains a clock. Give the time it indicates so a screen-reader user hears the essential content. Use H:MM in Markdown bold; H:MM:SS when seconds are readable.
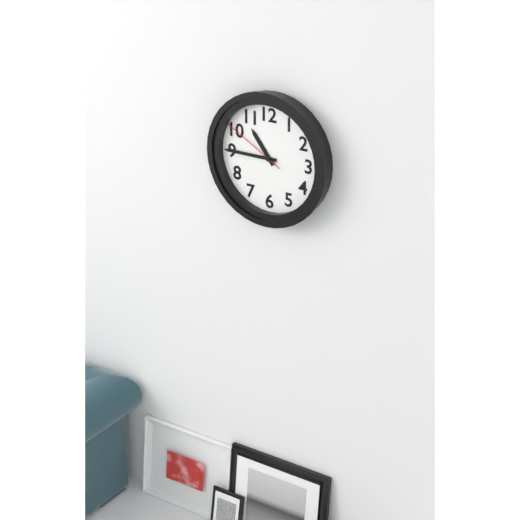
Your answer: **10:45:50**
